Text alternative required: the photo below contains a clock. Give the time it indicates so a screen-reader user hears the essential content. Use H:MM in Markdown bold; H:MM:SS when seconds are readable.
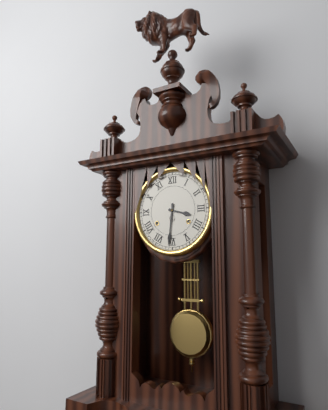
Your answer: **3:31**
